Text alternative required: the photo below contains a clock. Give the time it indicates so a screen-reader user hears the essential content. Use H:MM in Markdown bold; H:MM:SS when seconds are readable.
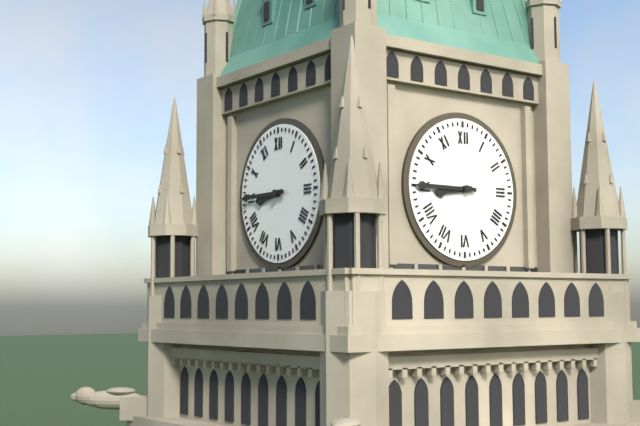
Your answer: **8:45**
